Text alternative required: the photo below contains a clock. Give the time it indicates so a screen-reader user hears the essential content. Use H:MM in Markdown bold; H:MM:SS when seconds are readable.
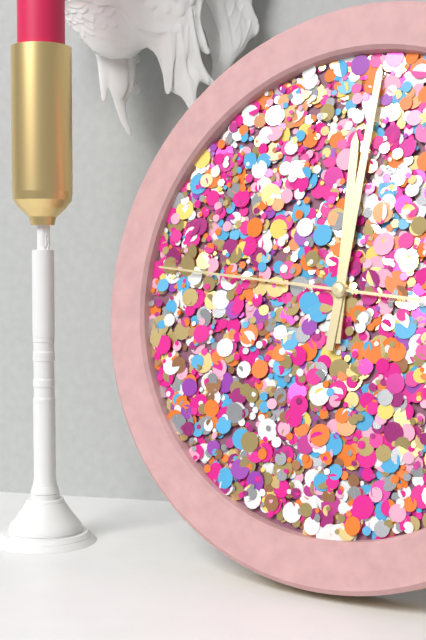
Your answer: **12:01:46**
